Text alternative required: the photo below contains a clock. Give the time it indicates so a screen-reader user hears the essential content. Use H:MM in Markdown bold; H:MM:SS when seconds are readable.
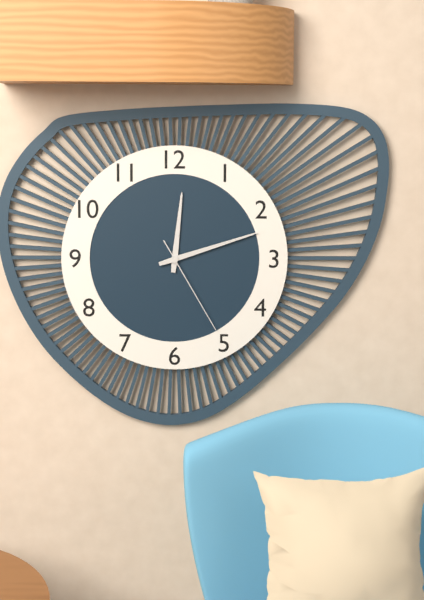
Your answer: **12:12:25**
